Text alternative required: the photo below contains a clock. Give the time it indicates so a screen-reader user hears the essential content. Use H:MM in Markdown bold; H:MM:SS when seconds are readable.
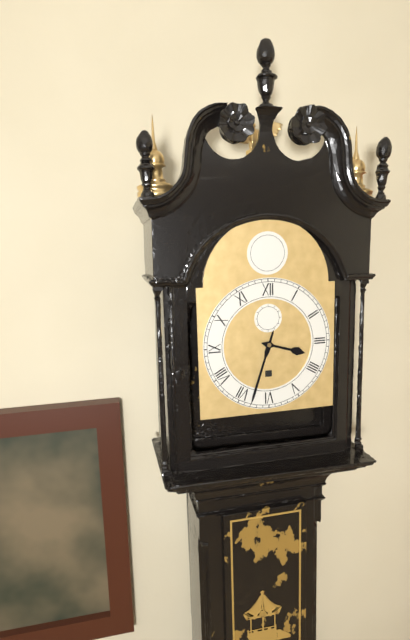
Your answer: **3:33**
